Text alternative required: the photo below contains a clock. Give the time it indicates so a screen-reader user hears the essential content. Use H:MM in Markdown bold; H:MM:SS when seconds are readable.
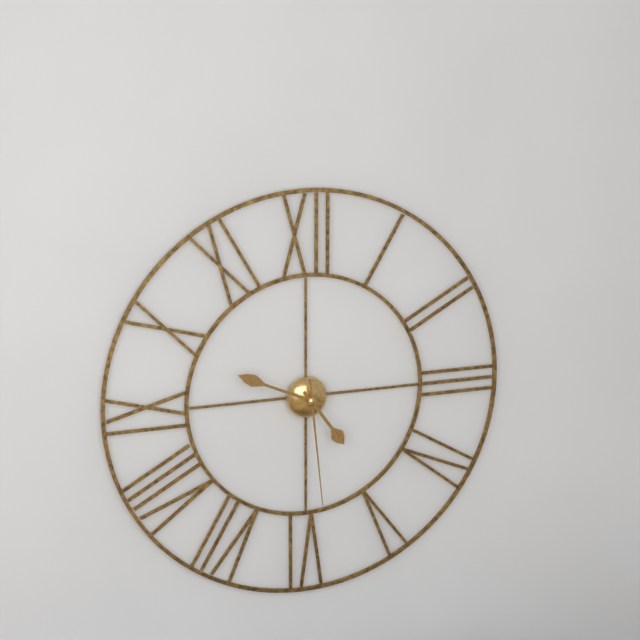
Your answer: **4:49:29**
